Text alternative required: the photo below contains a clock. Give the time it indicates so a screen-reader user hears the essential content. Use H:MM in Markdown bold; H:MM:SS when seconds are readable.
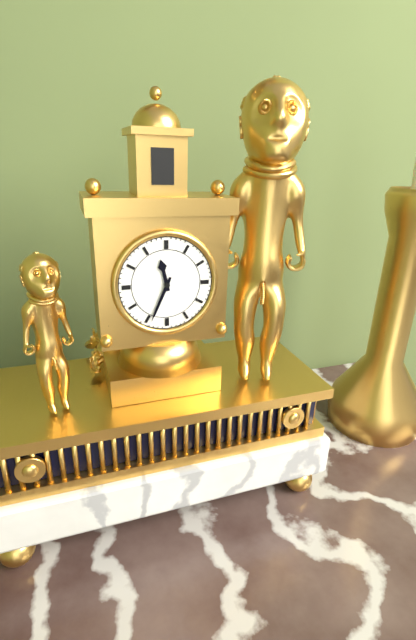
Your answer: **11:34**
